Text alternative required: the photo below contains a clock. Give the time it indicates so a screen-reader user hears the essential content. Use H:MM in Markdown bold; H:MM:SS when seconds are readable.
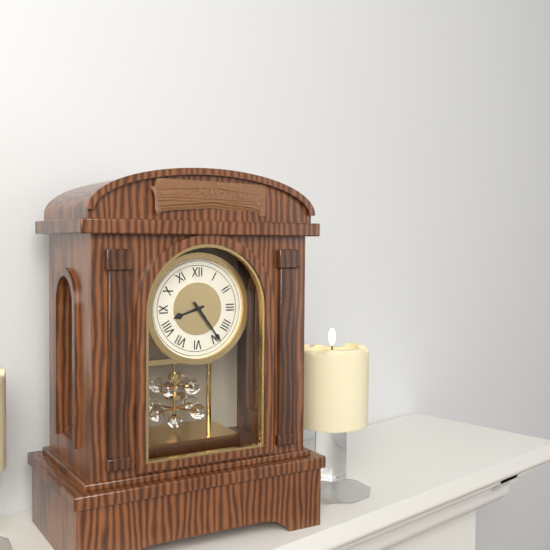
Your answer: **8:24**
